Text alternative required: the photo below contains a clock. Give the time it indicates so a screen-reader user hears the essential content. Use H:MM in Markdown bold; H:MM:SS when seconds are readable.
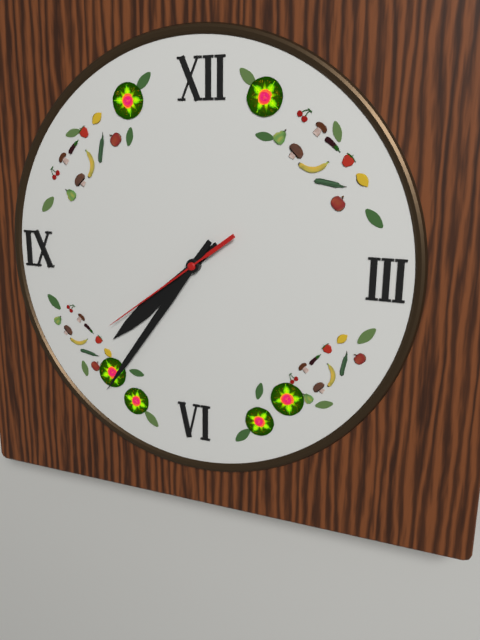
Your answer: **7:36:39**
